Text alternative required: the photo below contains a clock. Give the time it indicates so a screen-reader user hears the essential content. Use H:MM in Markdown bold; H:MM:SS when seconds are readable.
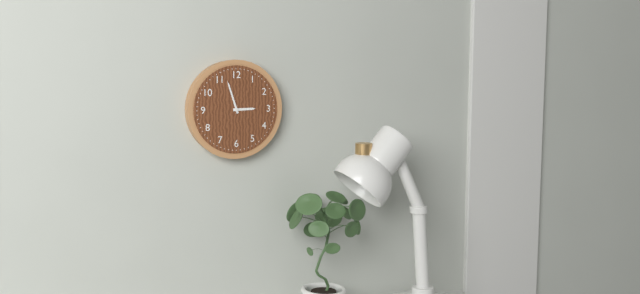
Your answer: **2:57**
